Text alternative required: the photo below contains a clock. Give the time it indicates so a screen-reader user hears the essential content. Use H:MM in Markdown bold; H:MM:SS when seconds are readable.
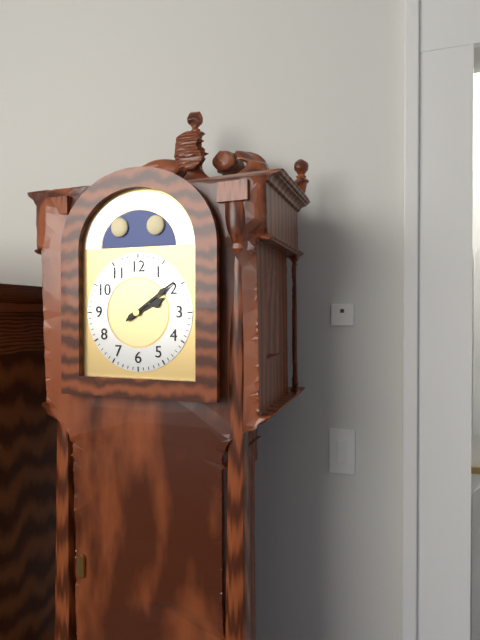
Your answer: **2:09**
